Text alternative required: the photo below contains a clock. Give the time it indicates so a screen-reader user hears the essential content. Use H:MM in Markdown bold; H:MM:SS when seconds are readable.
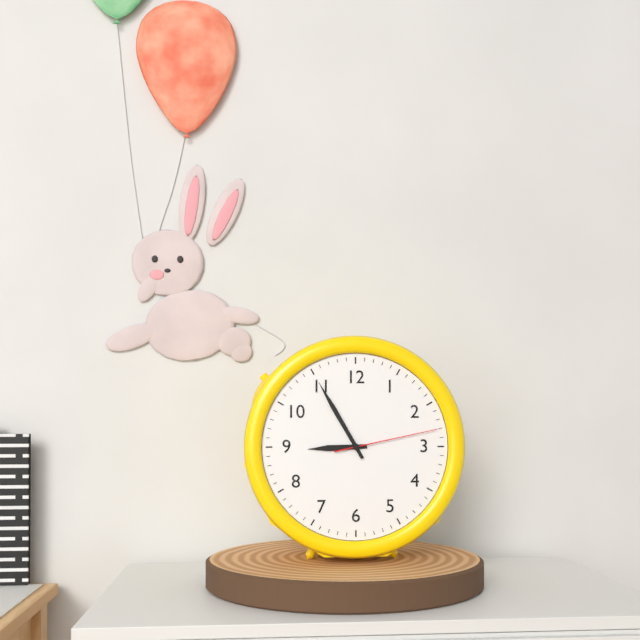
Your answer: **8:55:13**
